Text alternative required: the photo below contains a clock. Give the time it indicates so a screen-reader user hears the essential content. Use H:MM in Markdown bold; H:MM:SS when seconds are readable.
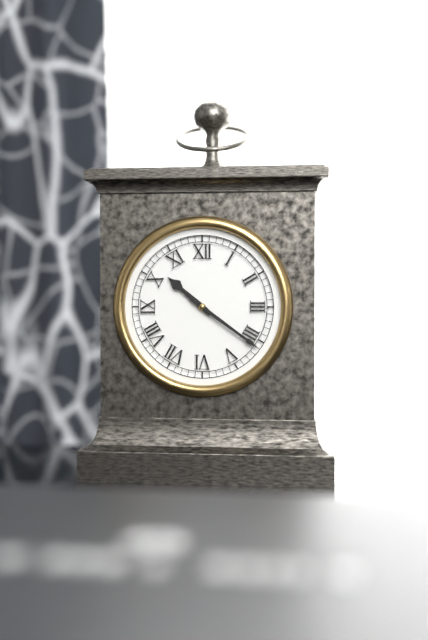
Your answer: **10:21**
